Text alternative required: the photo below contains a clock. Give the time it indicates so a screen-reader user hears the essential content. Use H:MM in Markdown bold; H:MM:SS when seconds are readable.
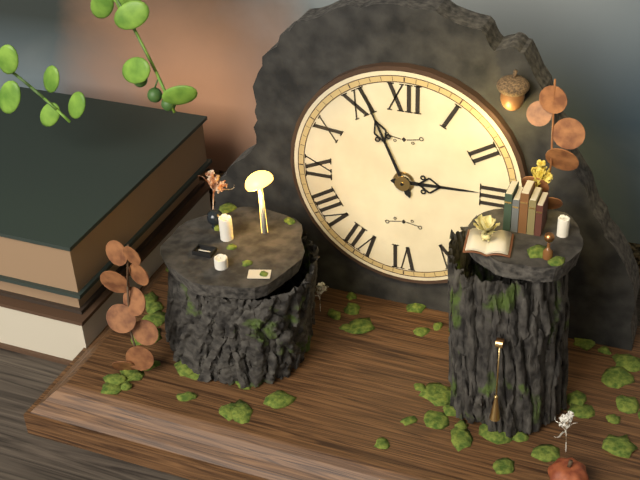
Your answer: **2:56**
